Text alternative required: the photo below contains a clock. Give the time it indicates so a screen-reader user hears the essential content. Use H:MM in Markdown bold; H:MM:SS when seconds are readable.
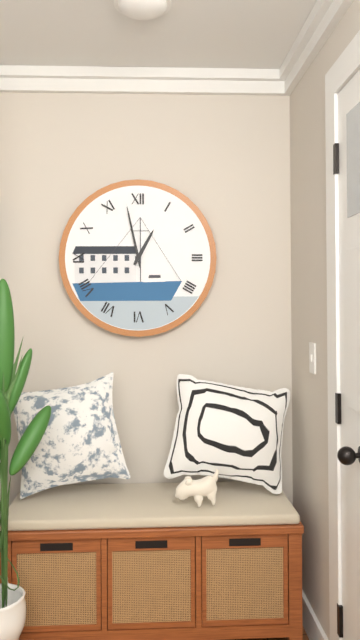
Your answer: **12:58**
